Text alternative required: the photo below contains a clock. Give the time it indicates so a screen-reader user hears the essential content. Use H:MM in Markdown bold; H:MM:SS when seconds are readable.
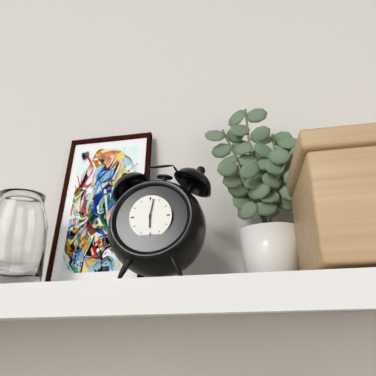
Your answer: **6:02**
